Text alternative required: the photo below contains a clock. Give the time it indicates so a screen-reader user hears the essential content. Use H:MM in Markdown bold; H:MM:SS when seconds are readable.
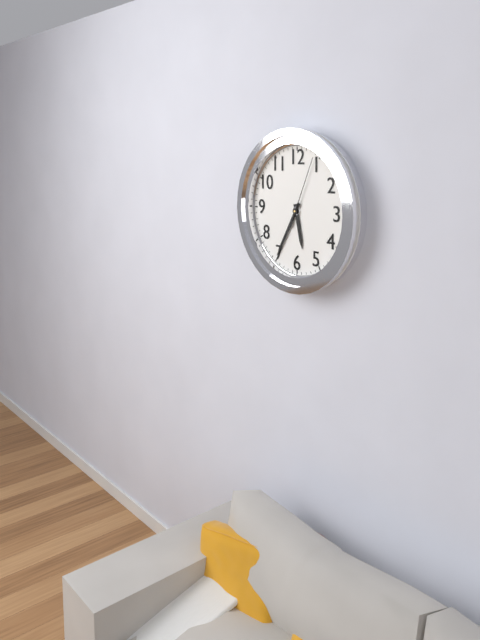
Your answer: **5:35:04**
